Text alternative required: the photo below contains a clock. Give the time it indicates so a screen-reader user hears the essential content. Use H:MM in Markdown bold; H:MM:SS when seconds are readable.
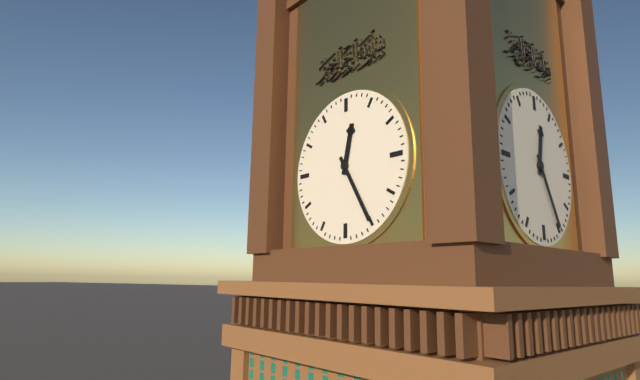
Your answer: **12:25**
